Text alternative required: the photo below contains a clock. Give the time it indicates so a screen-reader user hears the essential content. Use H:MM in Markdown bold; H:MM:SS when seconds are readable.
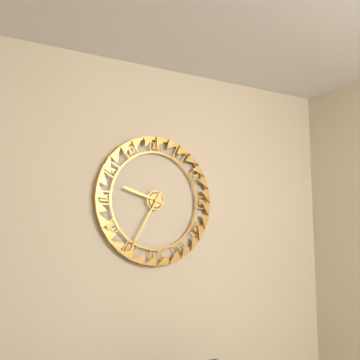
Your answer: **9:35**
